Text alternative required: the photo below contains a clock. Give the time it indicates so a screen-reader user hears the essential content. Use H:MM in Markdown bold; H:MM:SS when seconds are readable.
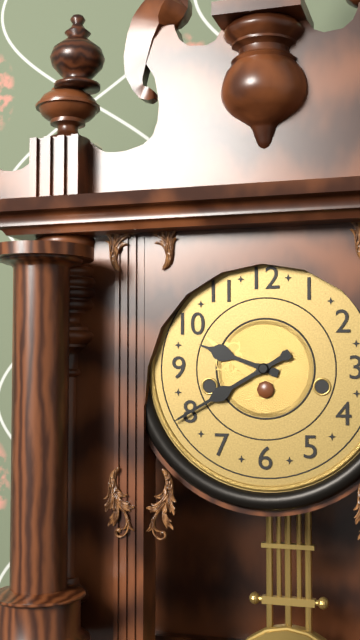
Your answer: **9:40**
